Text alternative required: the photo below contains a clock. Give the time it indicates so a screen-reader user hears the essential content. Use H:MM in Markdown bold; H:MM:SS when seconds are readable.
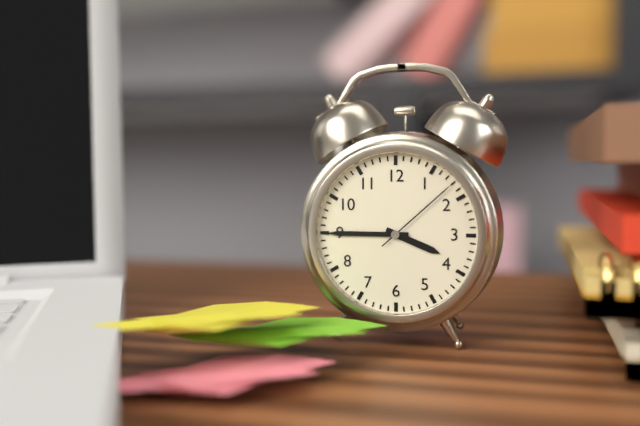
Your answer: **3:45:08**
